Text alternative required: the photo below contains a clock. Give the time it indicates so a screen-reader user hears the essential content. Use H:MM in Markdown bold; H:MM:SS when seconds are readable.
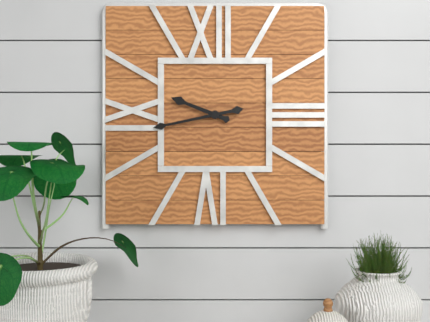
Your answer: **9:43**
